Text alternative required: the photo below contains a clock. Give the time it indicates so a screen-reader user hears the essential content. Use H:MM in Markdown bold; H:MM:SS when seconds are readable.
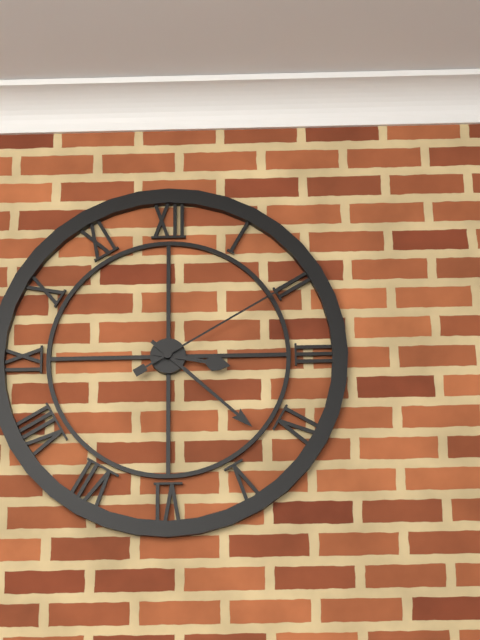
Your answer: **3:22:10**
